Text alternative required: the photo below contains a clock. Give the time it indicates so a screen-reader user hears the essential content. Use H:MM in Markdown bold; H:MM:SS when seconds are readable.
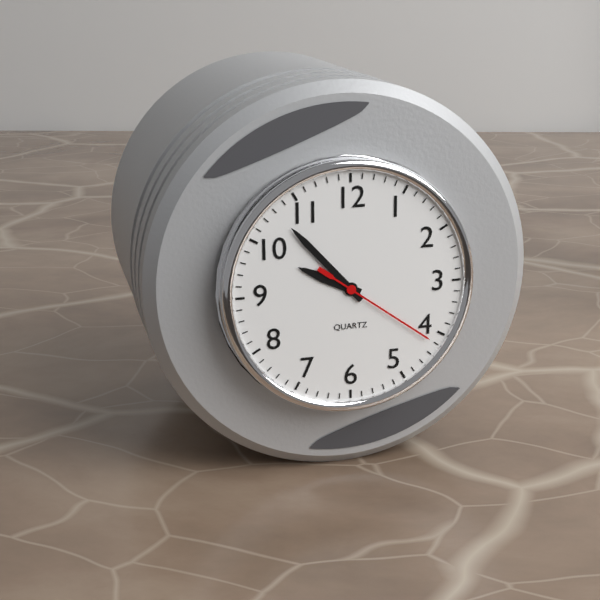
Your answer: **9:53:21**
